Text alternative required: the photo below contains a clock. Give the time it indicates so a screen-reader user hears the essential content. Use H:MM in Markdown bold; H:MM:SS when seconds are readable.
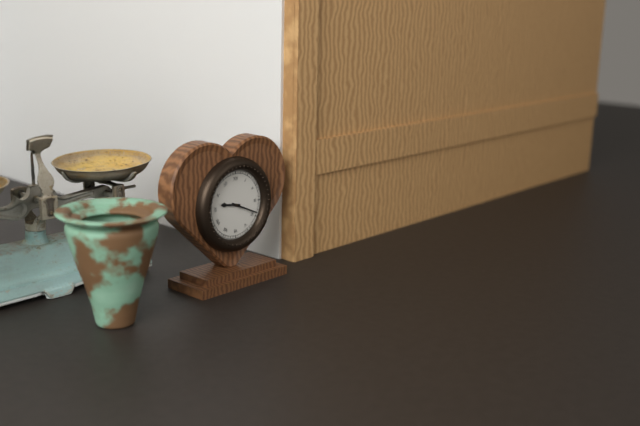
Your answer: **9:19**
